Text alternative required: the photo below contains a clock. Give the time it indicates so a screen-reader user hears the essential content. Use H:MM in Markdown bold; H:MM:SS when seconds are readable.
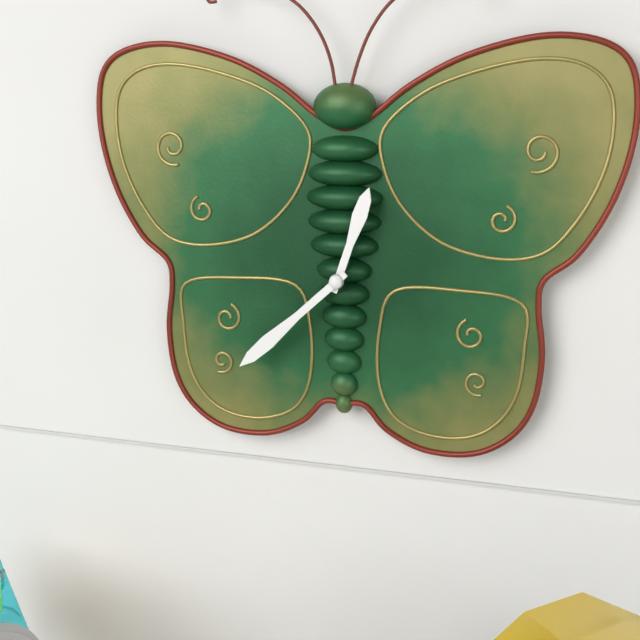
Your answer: **12:38**
